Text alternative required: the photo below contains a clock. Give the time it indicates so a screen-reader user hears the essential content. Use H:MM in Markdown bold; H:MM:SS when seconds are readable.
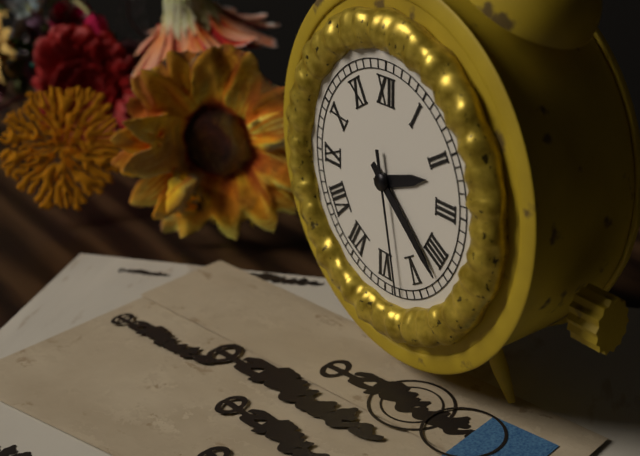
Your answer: **2:22:28**
